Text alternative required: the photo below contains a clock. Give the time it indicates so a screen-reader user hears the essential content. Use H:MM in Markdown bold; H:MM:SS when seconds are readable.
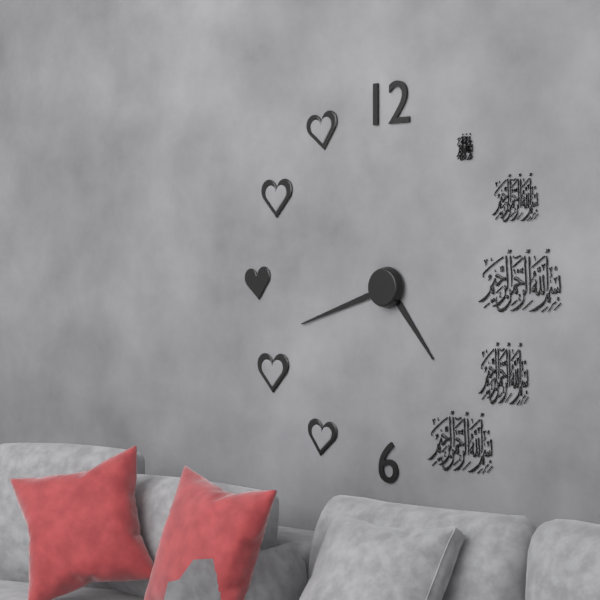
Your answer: **4:42**
